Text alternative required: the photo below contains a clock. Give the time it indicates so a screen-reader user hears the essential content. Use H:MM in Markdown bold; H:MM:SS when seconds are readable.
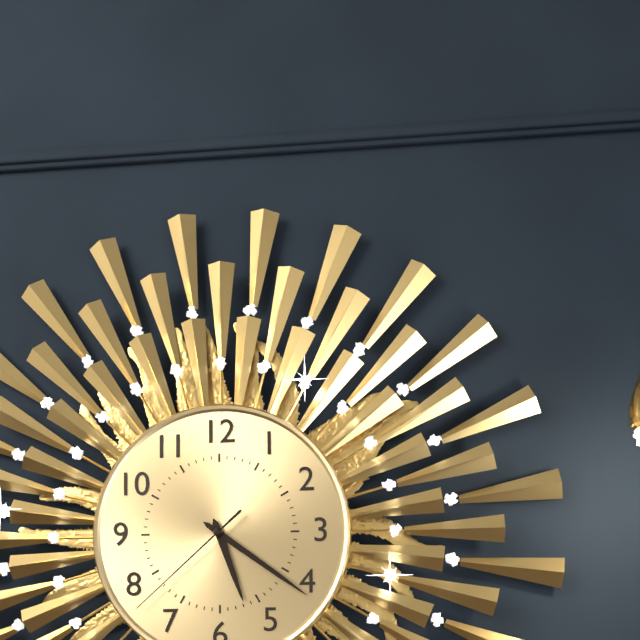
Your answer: **5:21:38**
